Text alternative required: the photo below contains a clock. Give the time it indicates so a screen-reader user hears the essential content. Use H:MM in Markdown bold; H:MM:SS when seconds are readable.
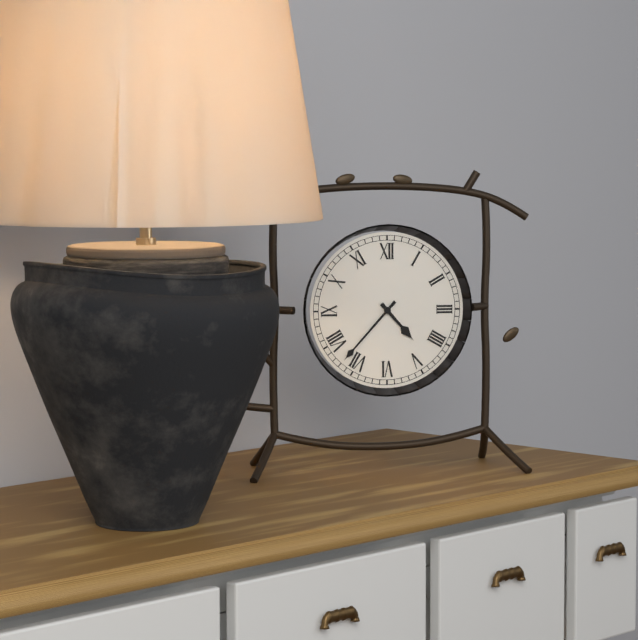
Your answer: **4:37**
